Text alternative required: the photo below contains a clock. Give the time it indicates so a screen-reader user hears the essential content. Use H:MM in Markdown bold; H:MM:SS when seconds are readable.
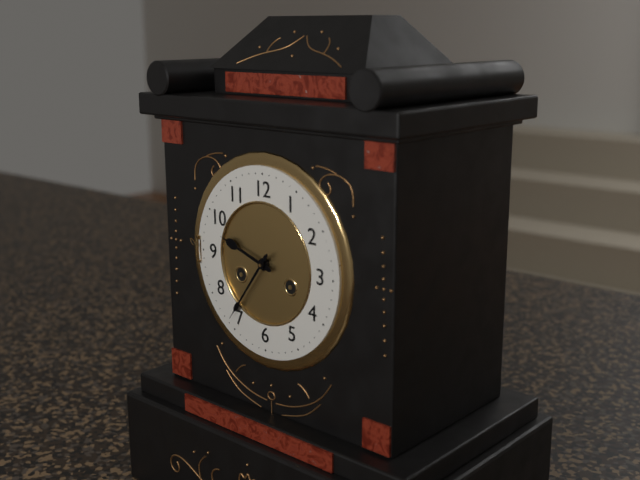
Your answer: **9:36**
